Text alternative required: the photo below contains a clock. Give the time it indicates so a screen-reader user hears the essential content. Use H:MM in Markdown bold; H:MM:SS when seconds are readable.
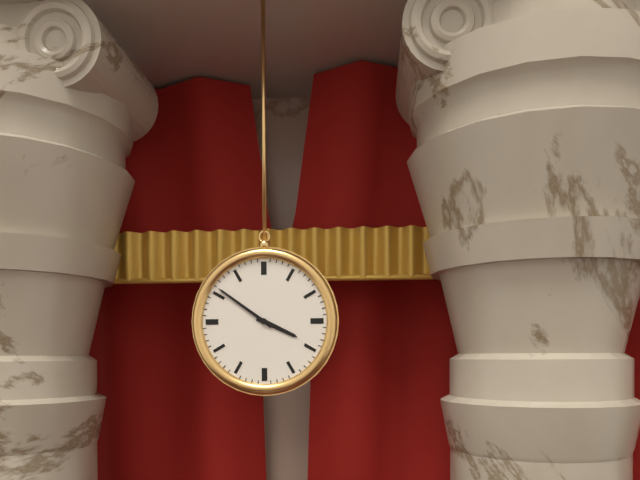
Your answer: **3:51**
